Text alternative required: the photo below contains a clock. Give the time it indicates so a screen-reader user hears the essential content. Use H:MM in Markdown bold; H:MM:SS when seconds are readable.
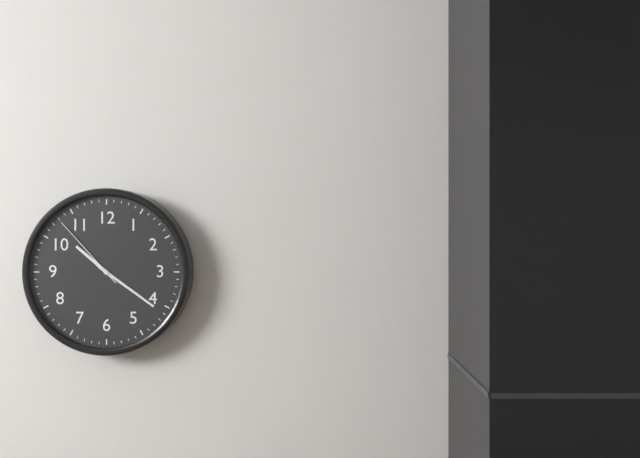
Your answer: **10:21:53**
